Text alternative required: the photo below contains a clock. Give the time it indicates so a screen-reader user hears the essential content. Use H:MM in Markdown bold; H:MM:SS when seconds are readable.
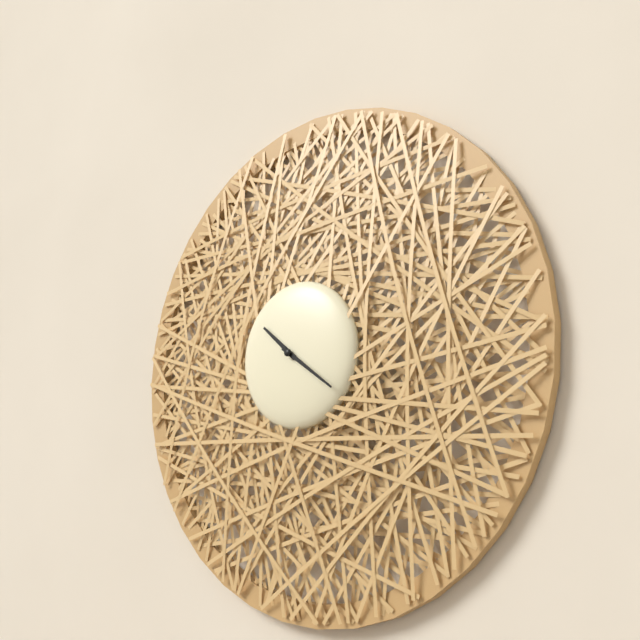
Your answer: **10:21**
